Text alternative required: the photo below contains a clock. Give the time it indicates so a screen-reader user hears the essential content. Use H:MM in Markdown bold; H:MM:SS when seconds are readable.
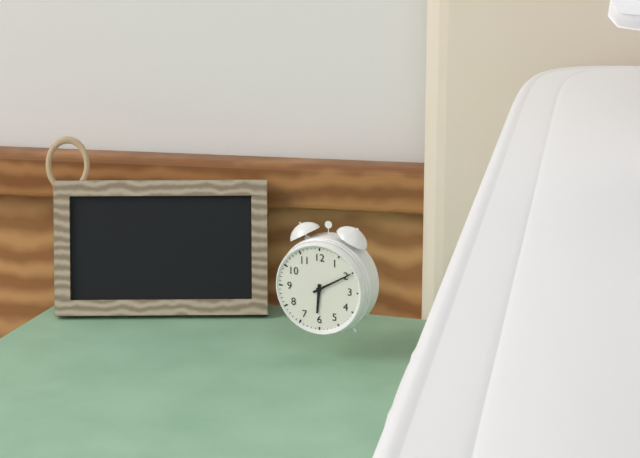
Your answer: **6:10**
